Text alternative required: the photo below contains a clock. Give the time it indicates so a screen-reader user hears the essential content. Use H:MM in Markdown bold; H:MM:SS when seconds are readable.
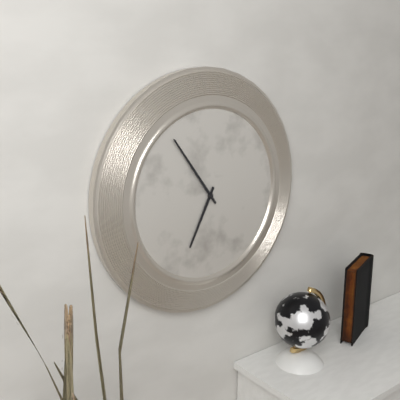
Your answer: **6:54**
